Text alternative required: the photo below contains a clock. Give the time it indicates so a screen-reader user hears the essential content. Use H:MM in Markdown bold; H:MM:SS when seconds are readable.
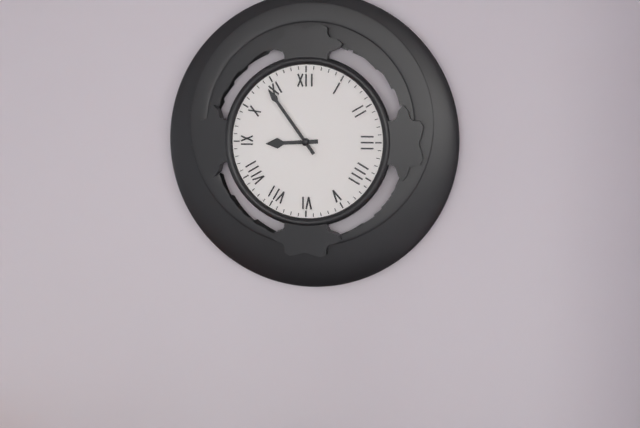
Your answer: **8:54**
